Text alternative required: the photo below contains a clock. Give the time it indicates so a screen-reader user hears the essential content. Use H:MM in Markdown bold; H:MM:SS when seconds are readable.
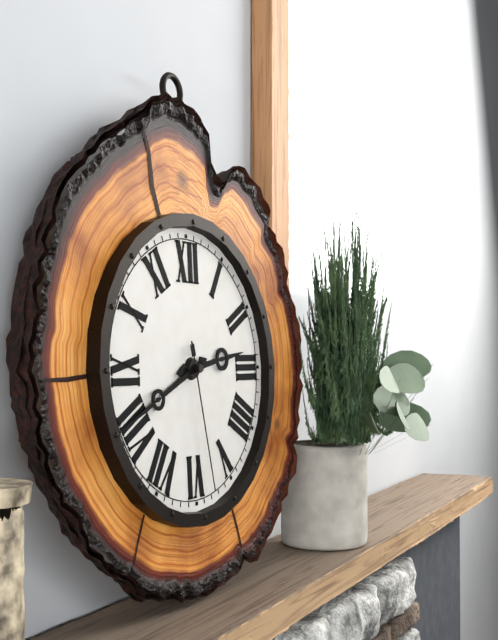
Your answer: **2:41:28**
